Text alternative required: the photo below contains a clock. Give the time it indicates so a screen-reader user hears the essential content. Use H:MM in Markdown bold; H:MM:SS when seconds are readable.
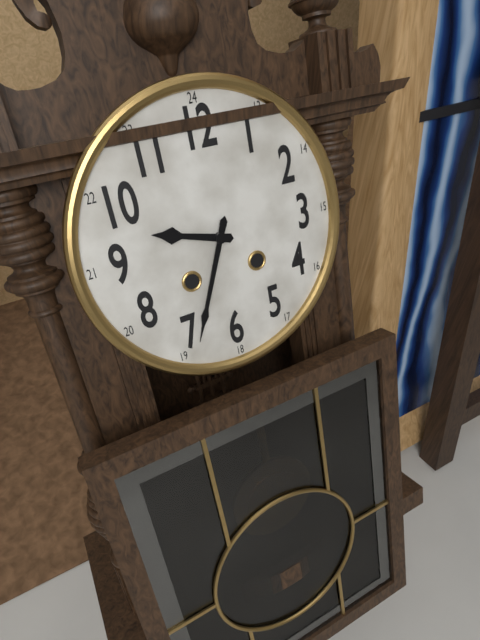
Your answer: **9:34**
